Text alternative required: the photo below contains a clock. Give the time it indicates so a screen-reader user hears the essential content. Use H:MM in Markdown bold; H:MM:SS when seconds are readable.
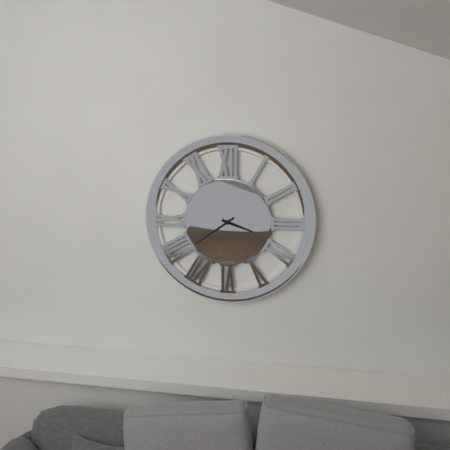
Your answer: **3:39**
